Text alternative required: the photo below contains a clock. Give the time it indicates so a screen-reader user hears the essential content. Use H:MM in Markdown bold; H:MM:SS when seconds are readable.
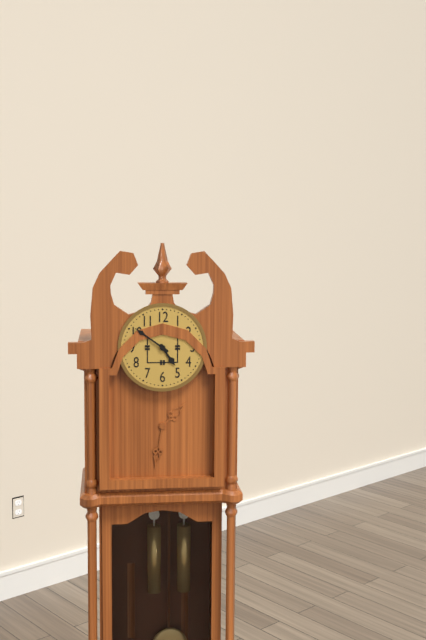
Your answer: **4:51**
